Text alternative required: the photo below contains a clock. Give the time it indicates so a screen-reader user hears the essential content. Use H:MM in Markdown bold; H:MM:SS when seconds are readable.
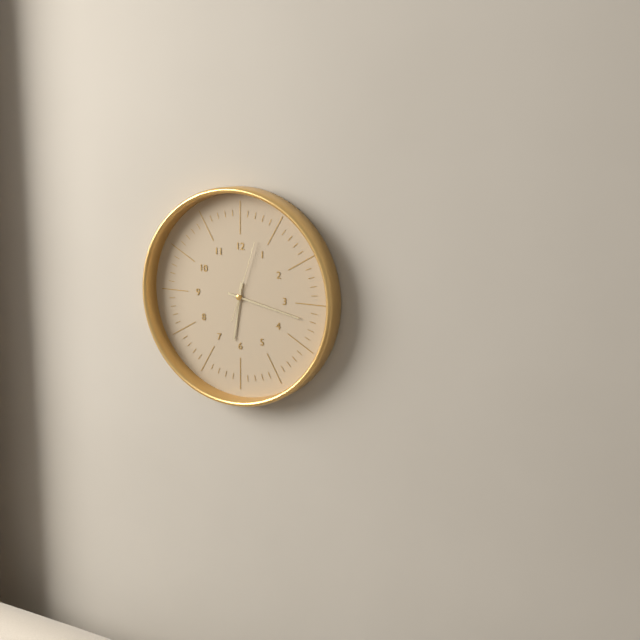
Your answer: **6:17:03**
